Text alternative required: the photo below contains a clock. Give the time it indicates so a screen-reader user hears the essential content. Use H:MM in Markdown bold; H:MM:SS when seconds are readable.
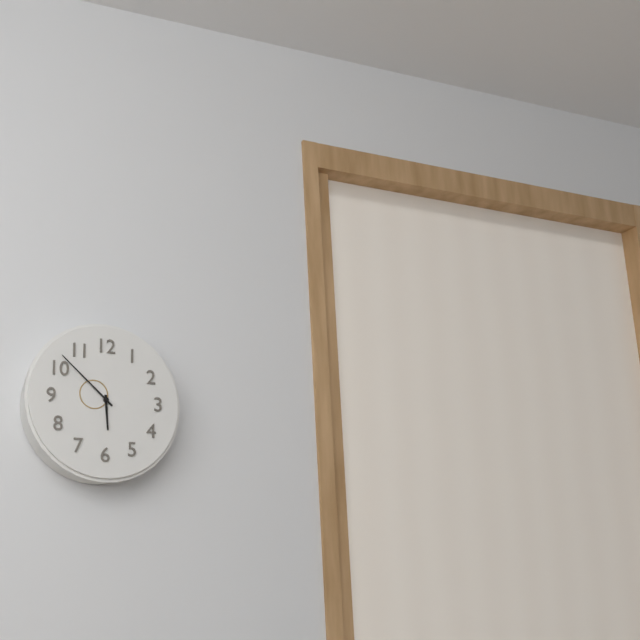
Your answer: **5:52**
